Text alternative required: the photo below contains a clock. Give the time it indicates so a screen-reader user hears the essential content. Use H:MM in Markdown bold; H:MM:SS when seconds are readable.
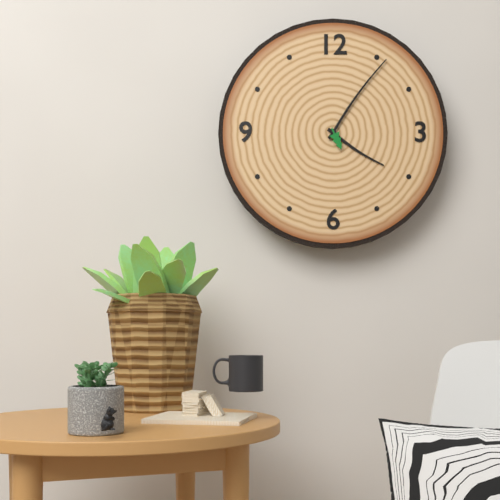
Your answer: **4:06**
